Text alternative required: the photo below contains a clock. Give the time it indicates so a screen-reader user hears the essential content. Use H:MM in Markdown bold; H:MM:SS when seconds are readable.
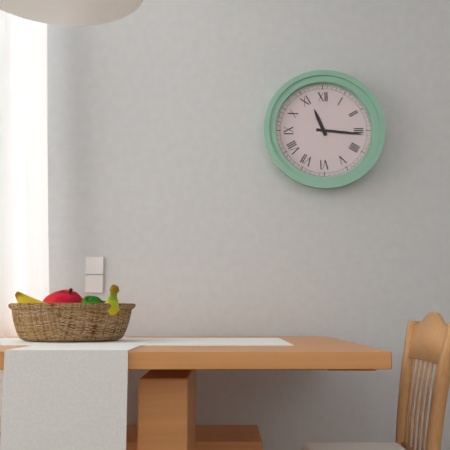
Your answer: **11:16**
